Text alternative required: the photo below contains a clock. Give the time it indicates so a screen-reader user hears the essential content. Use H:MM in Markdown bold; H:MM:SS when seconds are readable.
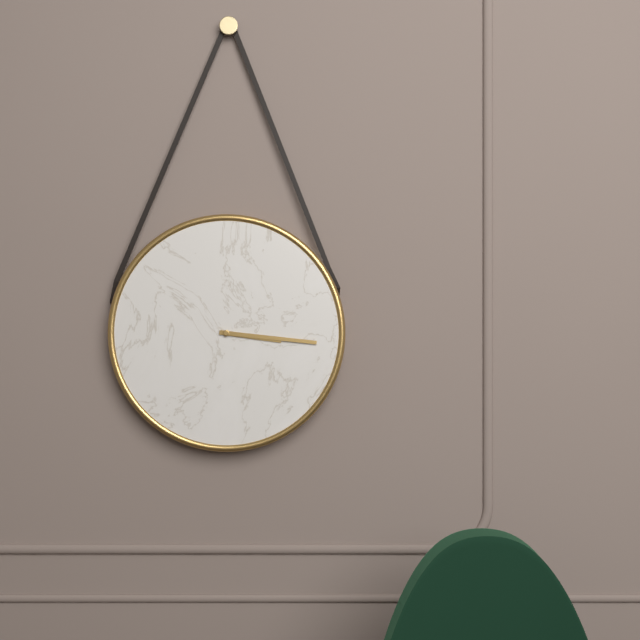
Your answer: **3:16**
